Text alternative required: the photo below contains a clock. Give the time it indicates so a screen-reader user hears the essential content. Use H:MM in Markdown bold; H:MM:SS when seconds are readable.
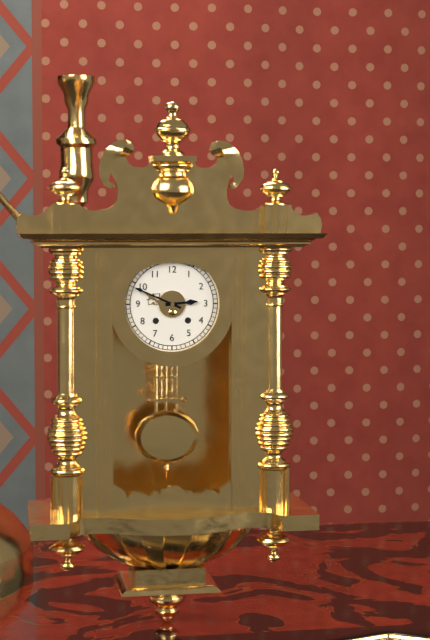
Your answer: **2:49**
